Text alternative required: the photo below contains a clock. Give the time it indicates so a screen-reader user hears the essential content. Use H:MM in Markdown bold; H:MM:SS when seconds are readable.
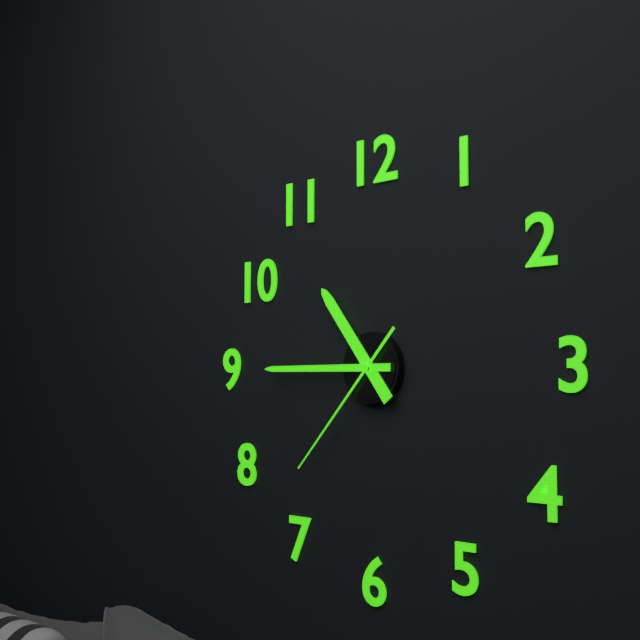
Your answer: **10:45:37**
